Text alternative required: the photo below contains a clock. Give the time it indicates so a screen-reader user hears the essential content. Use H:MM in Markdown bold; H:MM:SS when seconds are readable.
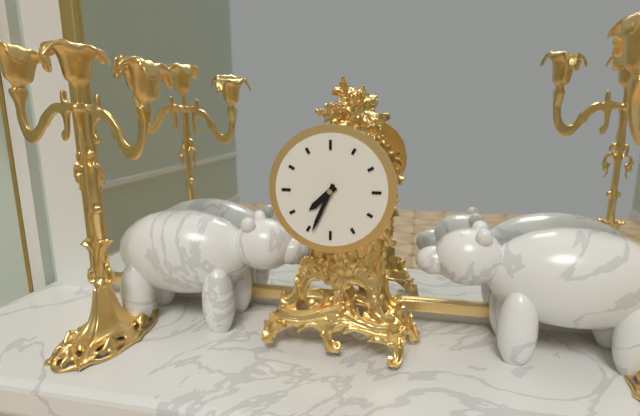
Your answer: **7:34**
